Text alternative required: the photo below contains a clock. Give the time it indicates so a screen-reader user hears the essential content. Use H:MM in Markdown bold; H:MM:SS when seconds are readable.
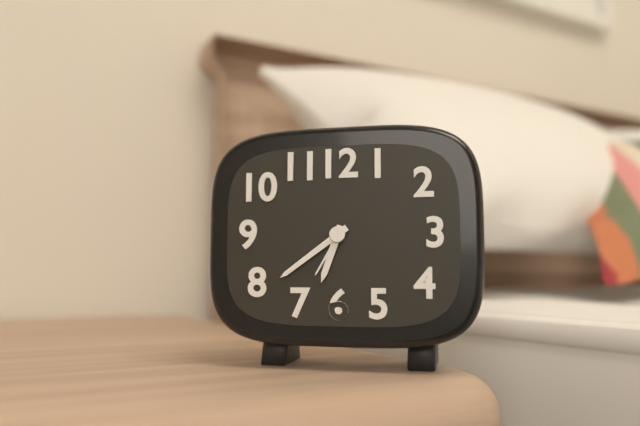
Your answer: **6:39**
